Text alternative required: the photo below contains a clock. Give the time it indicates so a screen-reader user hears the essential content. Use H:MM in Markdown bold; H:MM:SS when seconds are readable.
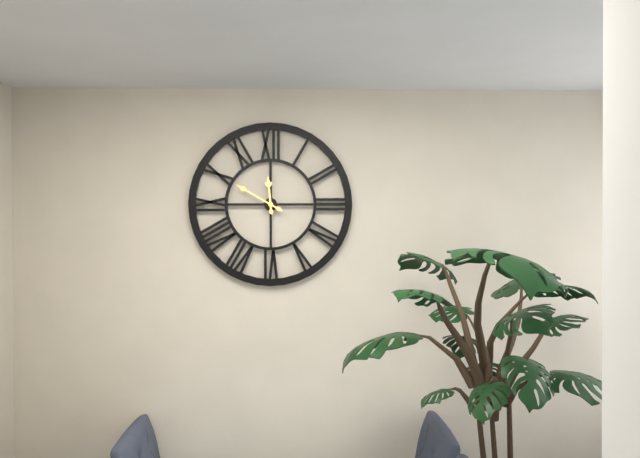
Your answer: **11:50**
